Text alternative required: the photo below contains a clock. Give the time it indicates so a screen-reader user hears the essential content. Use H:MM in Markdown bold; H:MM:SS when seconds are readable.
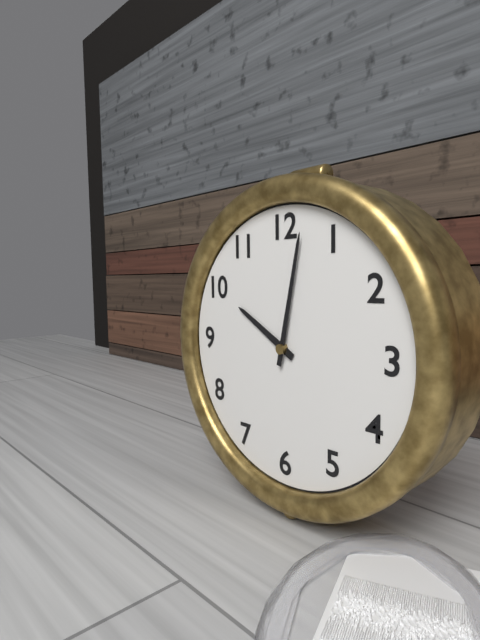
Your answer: **10:02**
